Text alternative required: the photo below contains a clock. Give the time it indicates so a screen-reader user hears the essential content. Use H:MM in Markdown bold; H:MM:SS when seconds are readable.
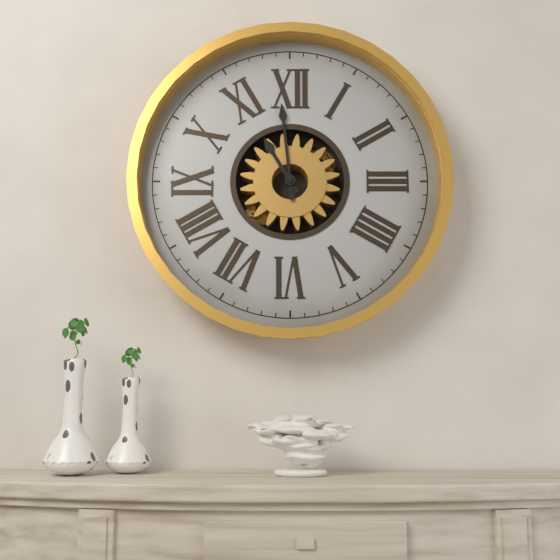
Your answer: **10:59**
